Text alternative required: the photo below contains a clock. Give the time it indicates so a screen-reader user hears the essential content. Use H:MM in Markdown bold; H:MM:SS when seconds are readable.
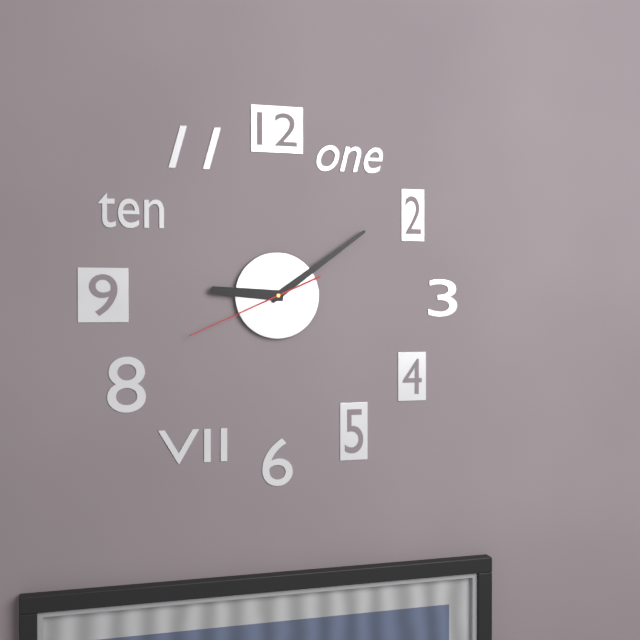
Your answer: **9:09:41**
